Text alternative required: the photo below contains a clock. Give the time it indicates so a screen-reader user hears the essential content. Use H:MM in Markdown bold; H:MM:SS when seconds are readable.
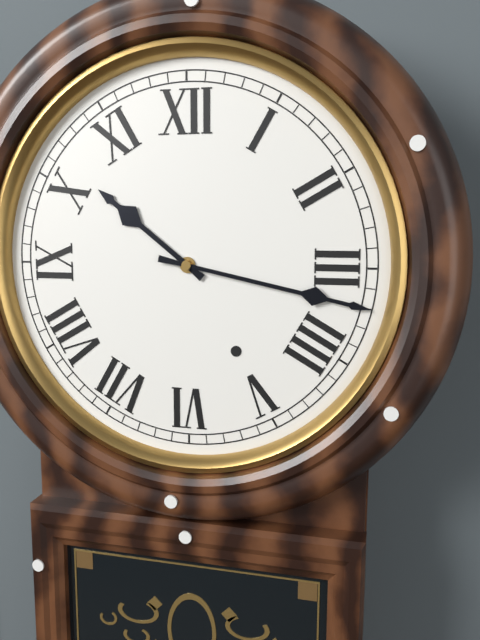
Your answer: **10:17**
